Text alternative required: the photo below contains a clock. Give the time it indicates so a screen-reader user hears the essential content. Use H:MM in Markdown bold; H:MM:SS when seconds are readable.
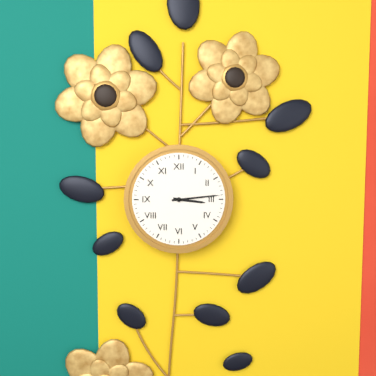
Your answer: **3:14**
